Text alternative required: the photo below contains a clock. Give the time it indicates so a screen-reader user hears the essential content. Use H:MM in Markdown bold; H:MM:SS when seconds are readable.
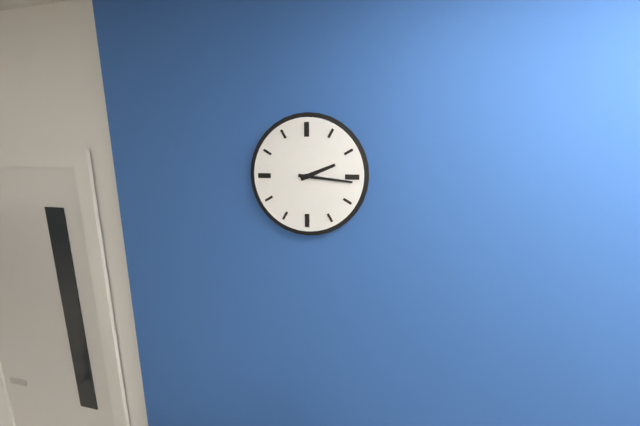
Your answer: **2:16**
